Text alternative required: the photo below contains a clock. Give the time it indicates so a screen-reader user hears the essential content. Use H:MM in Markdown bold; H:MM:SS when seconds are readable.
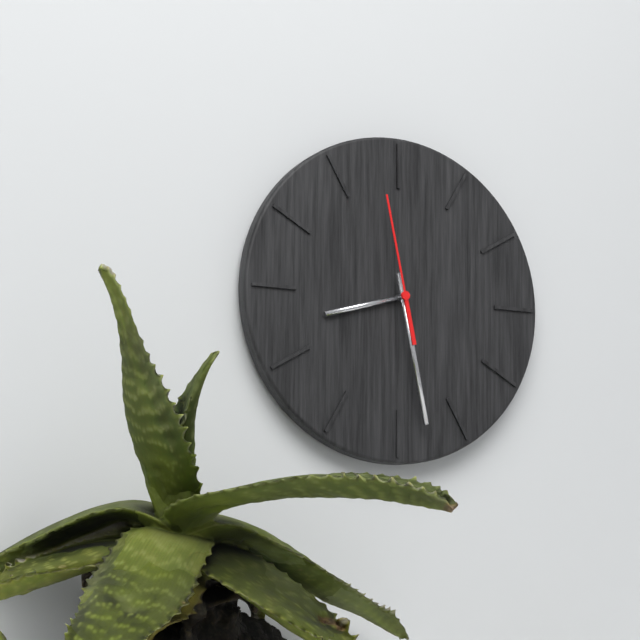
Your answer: **8:28:58**
